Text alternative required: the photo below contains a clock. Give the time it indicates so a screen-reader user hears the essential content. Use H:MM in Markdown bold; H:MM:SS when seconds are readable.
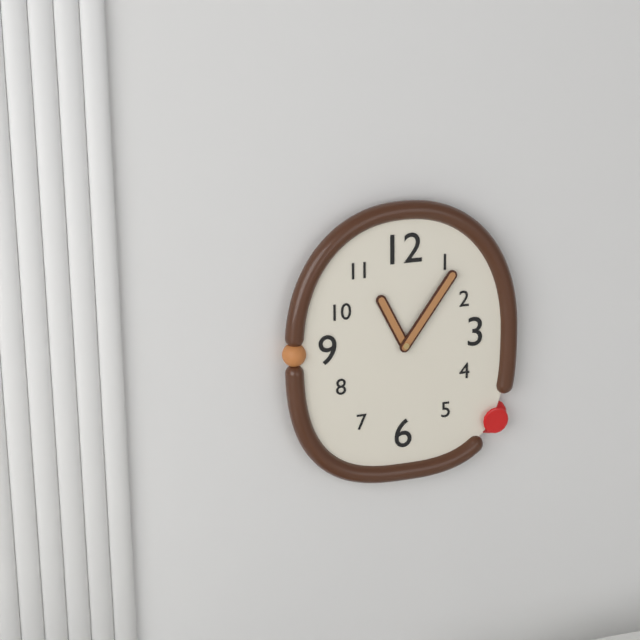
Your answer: **11:06**
